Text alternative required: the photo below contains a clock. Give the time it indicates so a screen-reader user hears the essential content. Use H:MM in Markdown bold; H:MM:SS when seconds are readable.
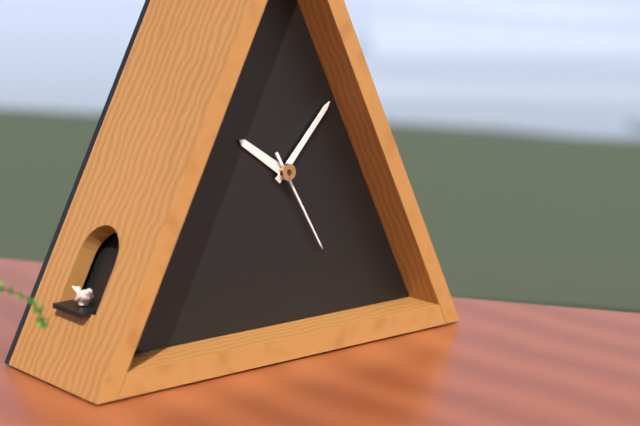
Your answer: **10:07:25**
